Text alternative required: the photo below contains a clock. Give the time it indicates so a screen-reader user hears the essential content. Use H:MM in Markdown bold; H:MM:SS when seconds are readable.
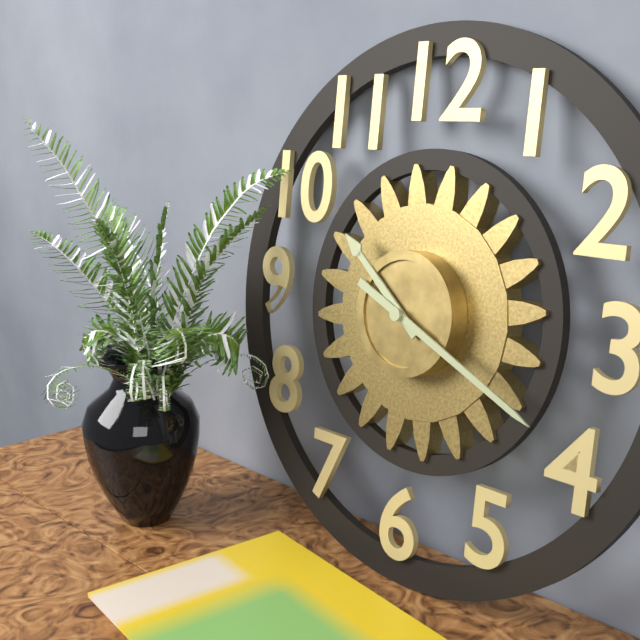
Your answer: **10:19**
